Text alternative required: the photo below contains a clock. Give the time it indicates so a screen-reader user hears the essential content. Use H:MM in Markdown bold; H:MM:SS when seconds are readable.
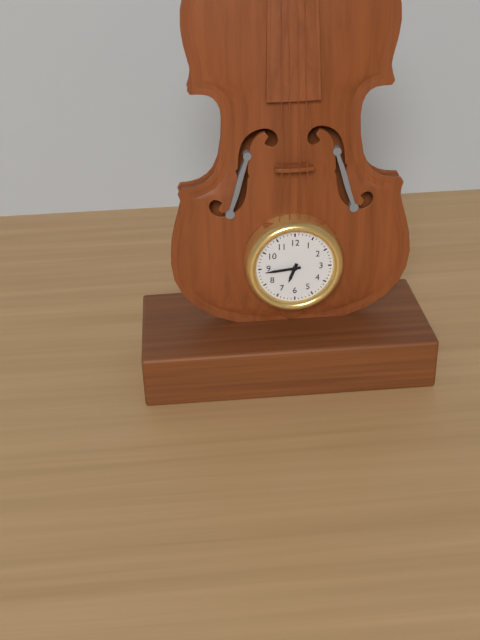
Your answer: **6:44**
